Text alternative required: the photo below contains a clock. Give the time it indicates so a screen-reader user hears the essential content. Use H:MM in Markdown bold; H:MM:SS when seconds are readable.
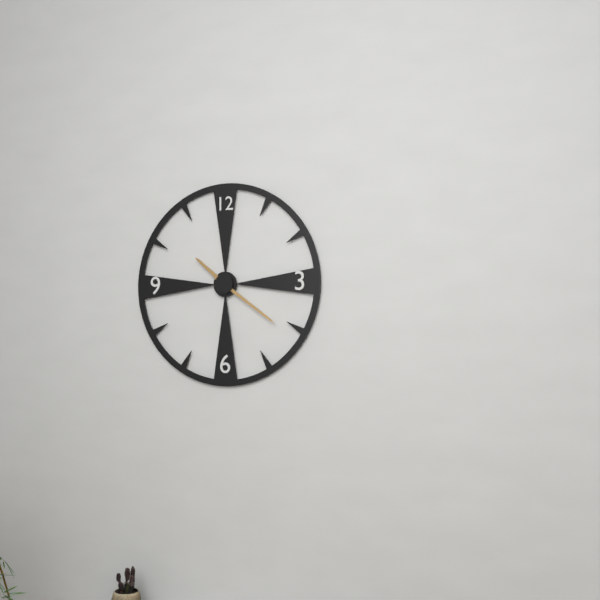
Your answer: **10:21**
